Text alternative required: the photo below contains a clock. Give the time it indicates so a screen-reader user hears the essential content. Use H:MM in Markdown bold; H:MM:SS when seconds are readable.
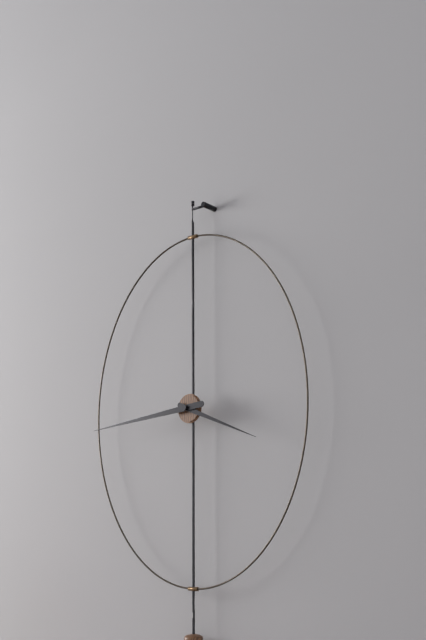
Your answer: **3:44**
